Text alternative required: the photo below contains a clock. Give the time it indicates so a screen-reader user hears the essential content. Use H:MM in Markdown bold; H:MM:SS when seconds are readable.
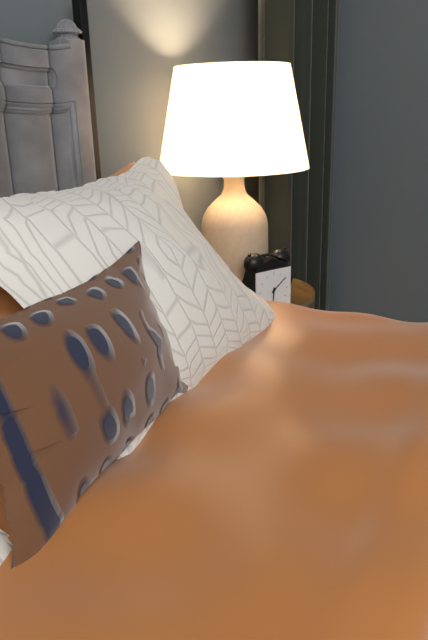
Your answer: **6:09**
